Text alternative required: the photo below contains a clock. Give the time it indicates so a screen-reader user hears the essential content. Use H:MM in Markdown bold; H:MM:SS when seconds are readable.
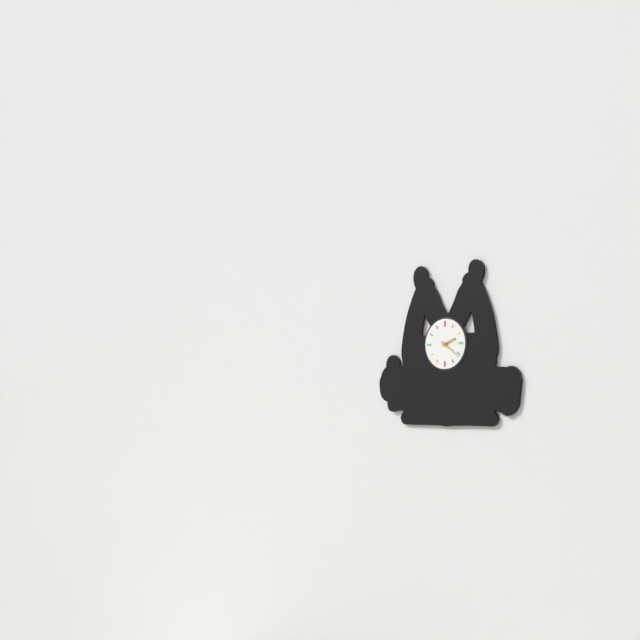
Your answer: **2:21**
